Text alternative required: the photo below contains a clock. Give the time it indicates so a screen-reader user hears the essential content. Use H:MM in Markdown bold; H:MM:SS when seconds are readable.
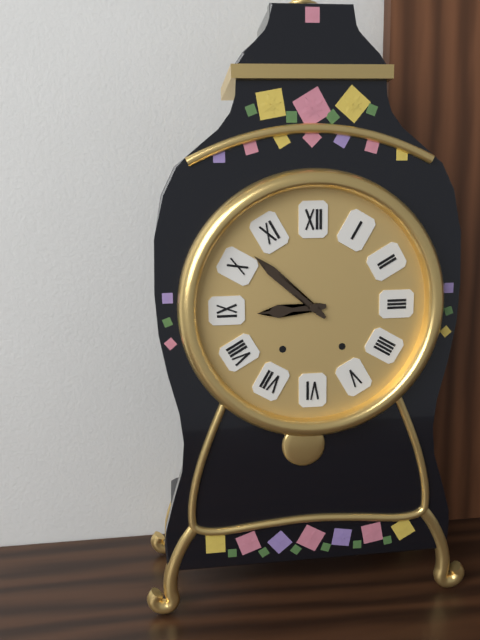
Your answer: **8:52**
